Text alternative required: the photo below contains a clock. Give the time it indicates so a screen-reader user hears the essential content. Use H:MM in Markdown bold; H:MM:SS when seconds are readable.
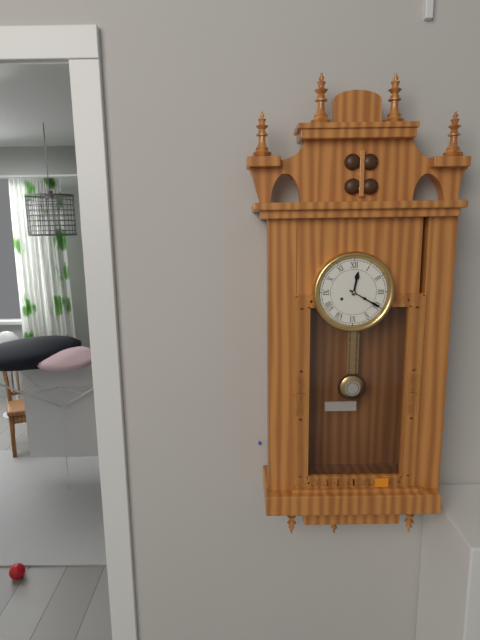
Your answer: **12:20**
